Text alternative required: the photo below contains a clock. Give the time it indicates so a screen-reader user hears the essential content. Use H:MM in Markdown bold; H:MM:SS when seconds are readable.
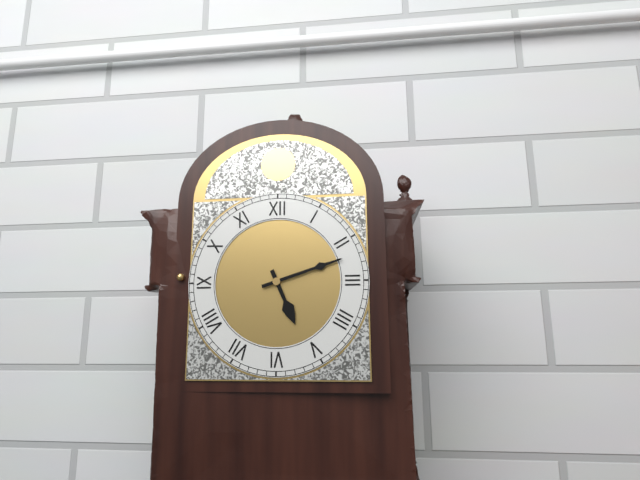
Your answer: **5:12**
